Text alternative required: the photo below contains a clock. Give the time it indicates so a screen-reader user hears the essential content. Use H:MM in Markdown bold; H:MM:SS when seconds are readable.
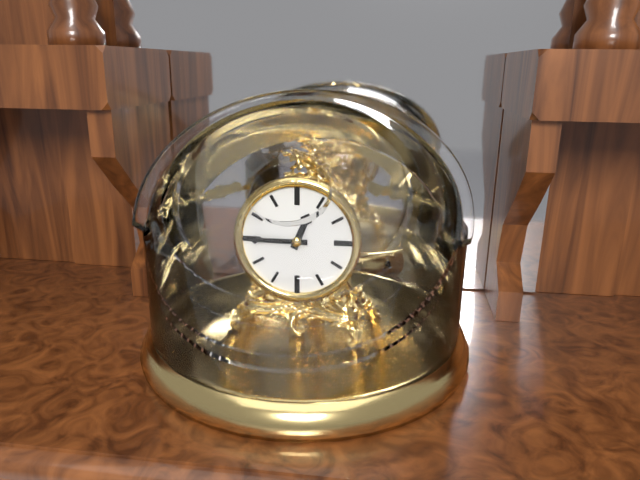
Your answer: **12:45**
